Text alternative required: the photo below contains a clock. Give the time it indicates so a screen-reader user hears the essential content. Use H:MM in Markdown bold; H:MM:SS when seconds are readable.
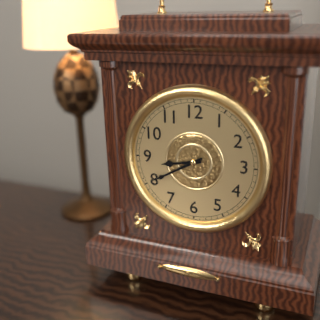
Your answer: **8:40**
